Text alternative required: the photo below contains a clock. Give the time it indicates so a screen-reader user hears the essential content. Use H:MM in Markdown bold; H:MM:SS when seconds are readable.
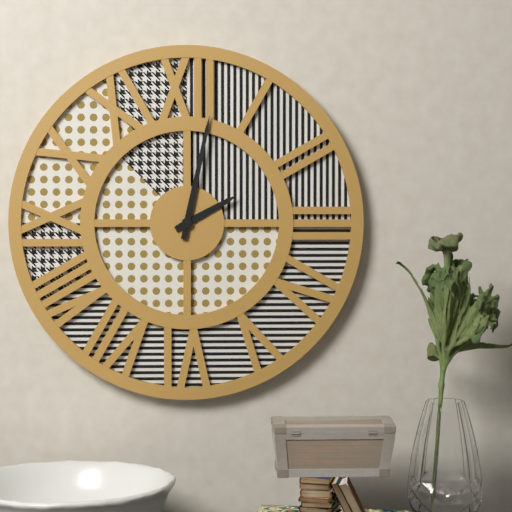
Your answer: **2:02**
